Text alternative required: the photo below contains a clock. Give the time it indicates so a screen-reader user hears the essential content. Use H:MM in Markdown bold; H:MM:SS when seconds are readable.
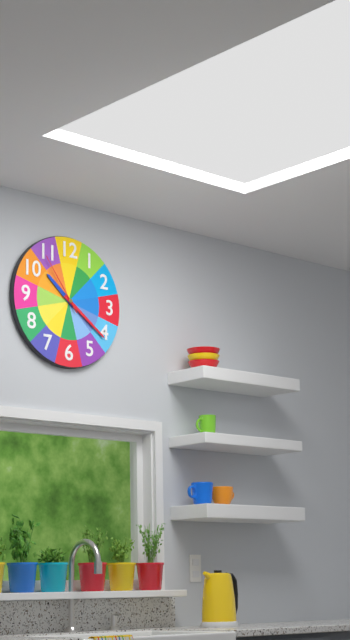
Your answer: **10:21:54**
